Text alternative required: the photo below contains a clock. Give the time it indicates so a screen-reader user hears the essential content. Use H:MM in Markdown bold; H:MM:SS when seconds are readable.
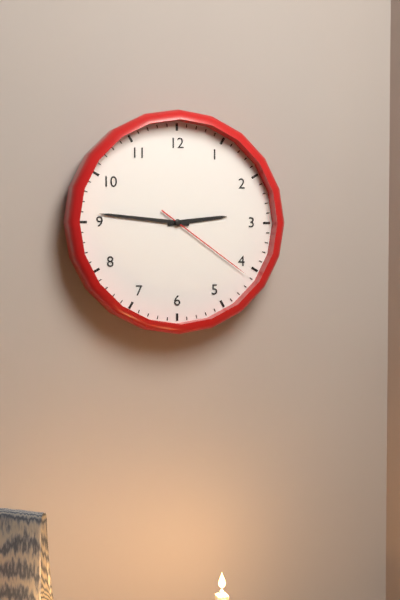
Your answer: **2:46:21**
